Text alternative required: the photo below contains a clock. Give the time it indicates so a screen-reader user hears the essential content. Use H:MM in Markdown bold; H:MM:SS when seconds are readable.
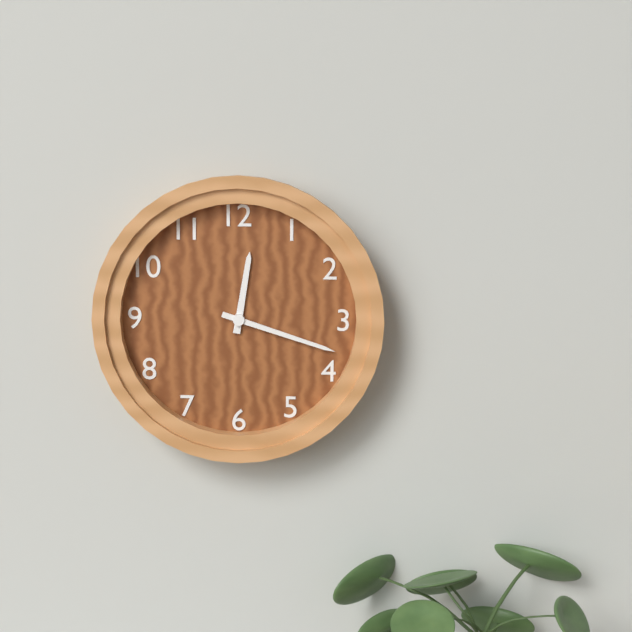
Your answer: **12:18**
